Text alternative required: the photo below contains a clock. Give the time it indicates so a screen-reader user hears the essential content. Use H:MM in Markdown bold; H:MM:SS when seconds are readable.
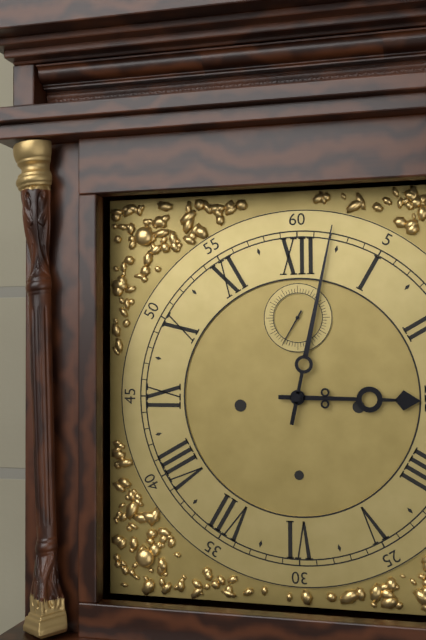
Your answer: **3:02**
